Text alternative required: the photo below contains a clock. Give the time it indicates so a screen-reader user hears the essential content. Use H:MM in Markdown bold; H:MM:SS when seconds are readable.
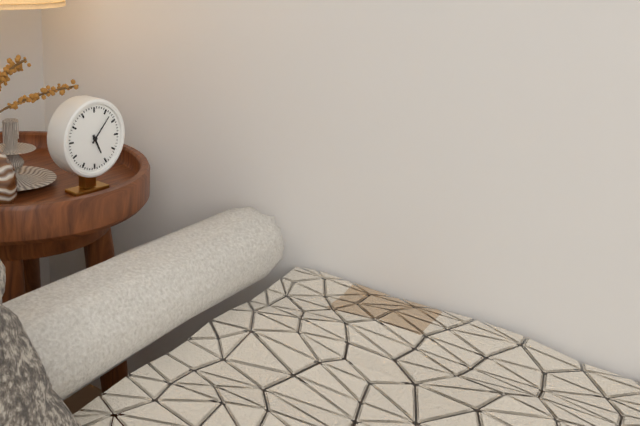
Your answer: **5:07**
